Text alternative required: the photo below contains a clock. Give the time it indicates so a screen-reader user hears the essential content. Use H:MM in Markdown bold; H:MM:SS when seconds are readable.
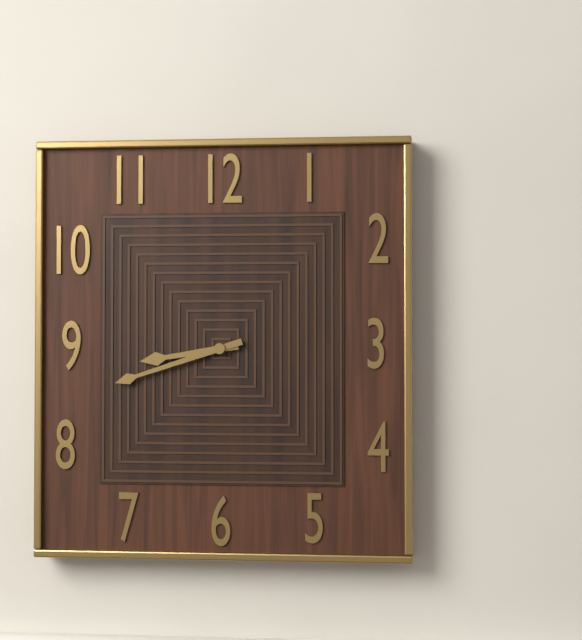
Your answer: **8:42**
